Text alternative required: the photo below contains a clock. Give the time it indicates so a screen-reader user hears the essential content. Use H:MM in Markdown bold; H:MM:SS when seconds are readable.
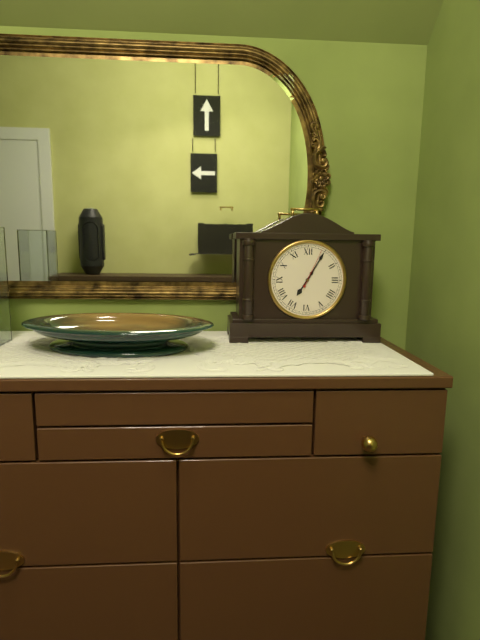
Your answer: **7:05**
